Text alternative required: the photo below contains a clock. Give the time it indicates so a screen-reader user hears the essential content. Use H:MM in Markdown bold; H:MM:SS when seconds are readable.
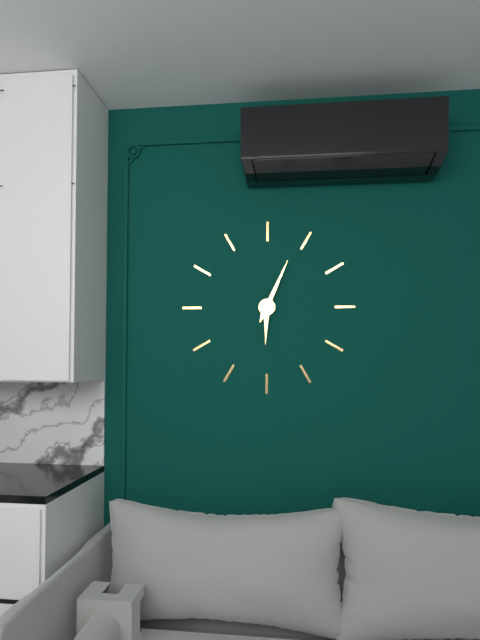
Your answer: **6:04**
